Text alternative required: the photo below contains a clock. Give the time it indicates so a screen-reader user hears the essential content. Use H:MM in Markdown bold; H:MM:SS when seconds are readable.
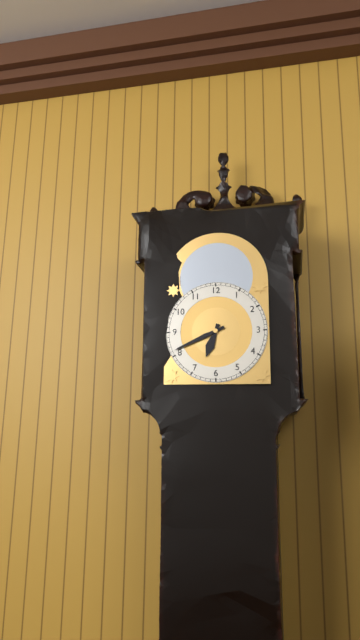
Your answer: **6:41**
